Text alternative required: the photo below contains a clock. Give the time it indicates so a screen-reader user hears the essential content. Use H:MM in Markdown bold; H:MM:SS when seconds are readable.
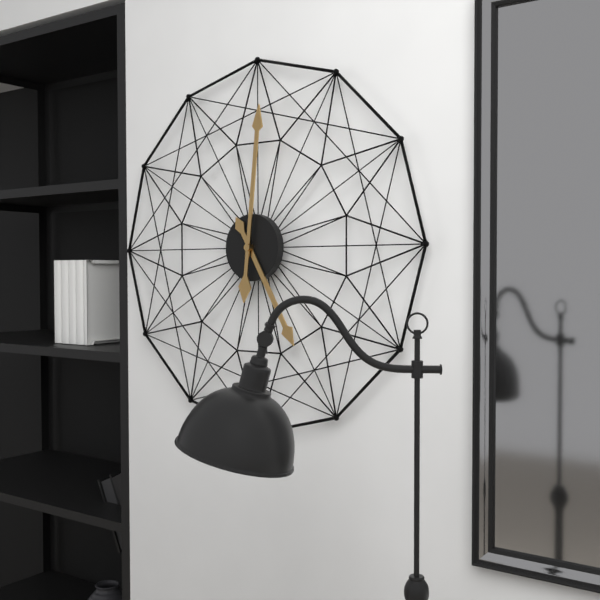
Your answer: **5:01**
